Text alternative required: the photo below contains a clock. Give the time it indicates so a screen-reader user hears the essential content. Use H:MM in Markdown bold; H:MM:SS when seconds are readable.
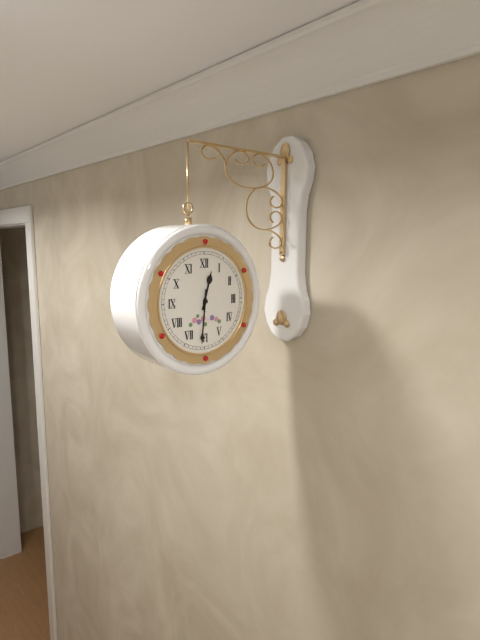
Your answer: **12:31**
